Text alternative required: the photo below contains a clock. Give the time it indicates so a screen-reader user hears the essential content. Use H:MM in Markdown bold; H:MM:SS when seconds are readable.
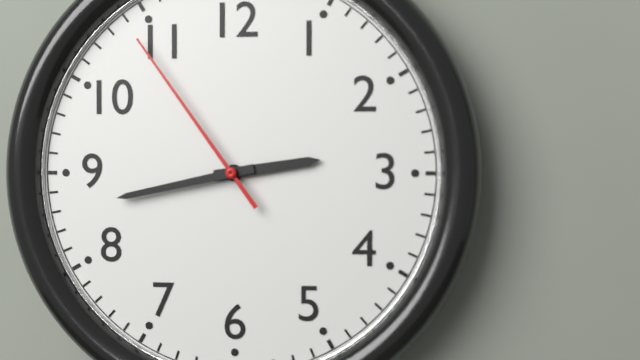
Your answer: **2:43:54**
